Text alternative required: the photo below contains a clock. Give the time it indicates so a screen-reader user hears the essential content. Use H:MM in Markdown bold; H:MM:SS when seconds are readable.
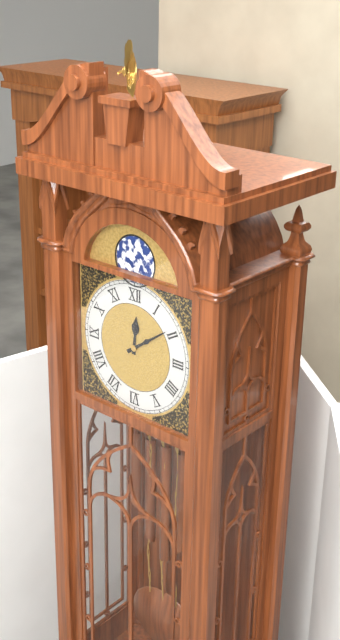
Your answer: **12:09**
